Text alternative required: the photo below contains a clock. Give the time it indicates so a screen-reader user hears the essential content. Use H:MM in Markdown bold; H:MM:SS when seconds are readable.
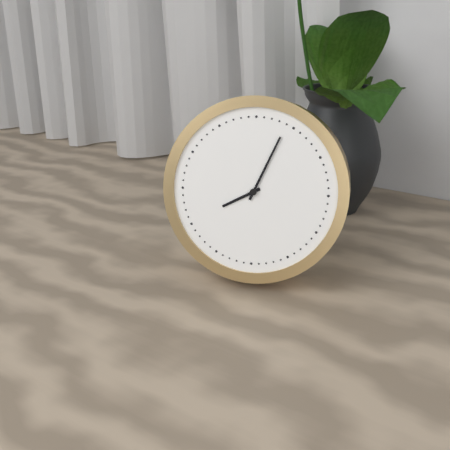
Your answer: **8:04**
